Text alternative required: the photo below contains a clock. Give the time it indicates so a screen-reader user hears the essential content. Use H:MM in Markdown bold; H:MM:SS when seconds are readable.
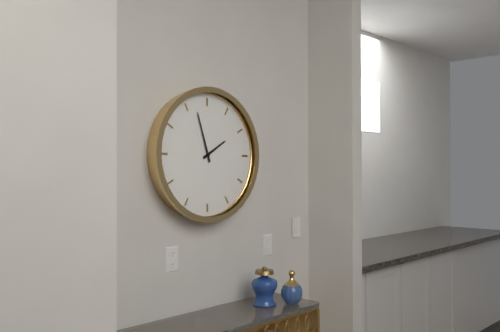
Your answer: **1:57**
